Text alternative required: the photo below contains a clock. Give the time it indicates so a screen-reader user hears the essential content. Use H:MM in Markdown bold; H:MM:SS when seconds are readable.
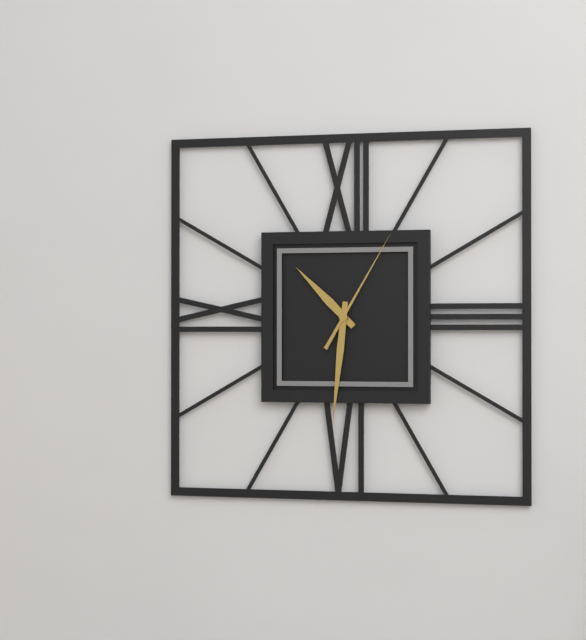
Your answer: **10:31:05**
